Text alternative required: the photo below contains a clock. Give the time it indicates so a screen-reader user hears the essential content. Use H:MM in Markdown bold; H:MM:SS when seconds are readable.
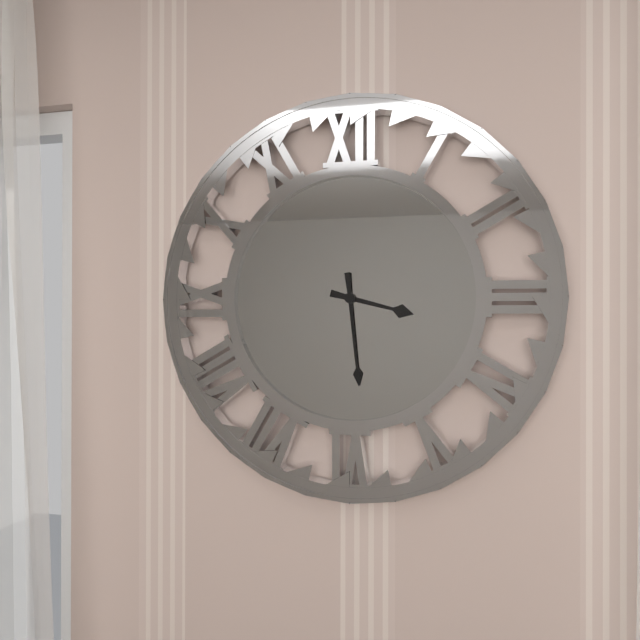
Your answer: **3:29**
